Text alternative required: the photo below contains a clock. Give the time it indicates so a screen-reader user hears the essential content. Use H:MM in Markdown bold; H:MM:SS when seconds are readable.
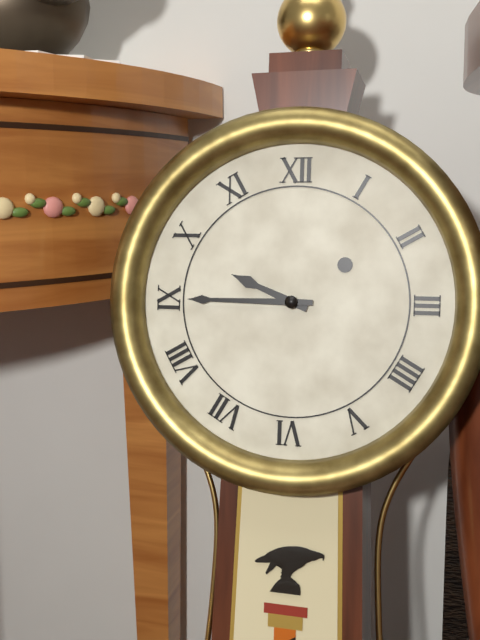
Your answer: **9:45**
